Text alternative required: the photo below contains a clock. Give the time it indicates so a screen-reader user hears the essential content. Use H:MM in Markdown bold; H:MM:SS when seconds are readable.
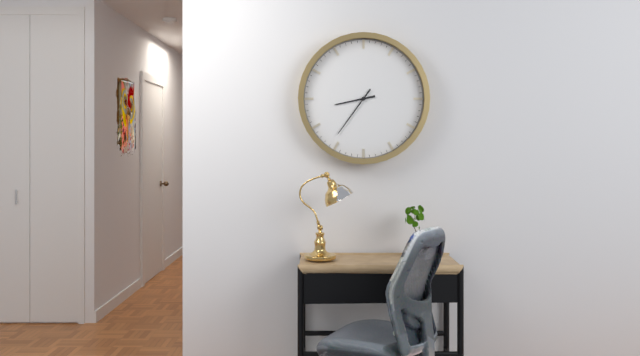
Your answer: **8:36**
